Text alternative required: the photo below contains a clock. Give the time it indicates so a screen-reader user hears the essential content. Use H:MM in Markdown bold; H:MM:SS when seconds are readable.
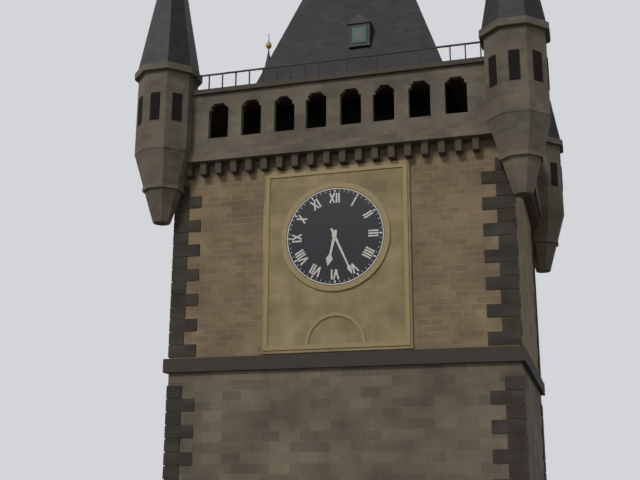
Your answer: **6:26**
